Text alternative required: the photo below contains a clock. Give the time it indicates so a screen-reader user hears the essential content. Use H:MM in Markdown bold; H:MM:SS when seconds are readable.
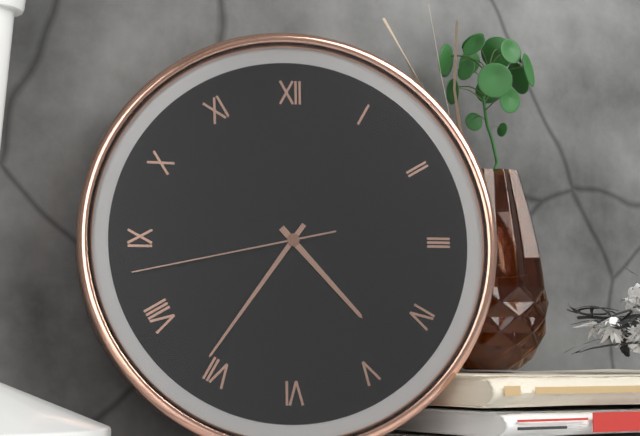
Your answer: **4:36:43**
